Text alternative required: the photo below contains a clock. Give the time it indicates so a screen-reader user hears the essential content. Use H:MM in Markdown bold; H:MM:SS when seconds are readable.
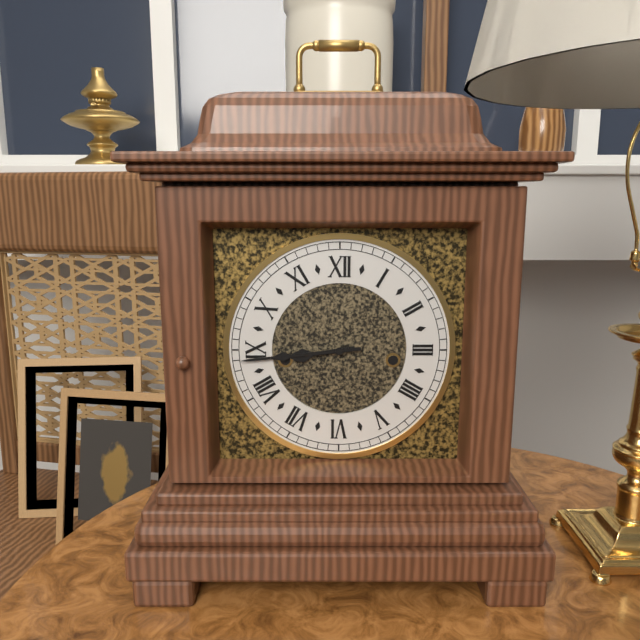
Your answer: **8:44**
